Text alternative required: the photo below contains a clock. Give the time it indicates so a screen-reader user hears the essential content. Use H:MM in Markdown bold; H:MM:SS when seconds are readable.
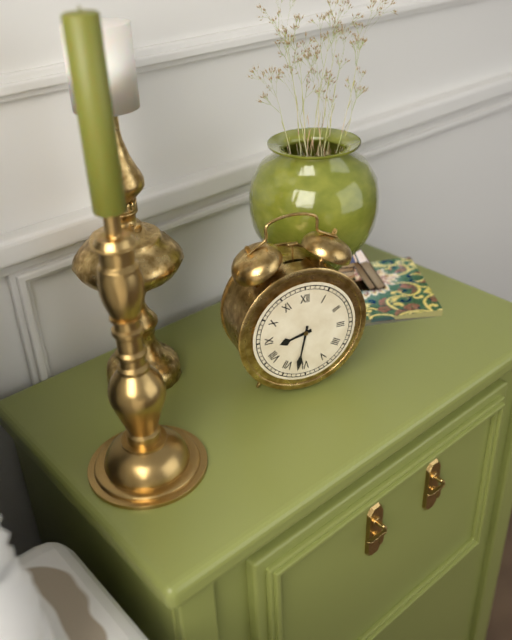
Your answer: **8:32**
